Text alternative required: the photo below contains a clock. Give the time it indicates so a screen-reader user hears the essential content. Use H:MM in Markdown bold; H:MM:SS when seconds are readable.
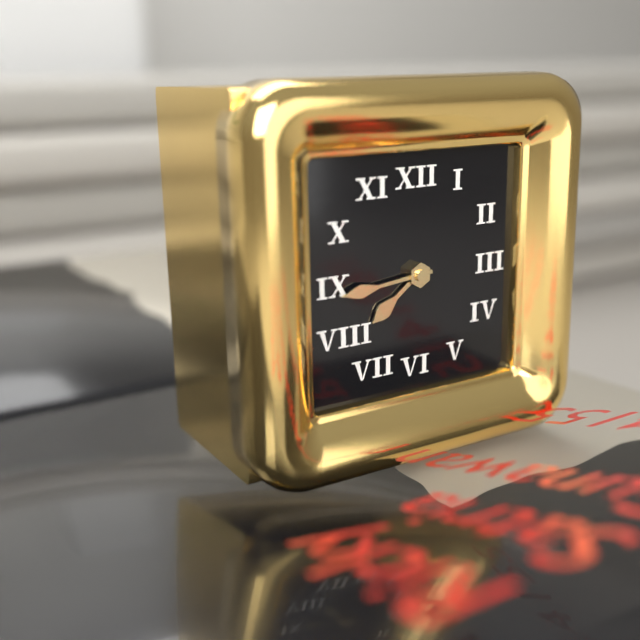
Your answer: **7:44**
